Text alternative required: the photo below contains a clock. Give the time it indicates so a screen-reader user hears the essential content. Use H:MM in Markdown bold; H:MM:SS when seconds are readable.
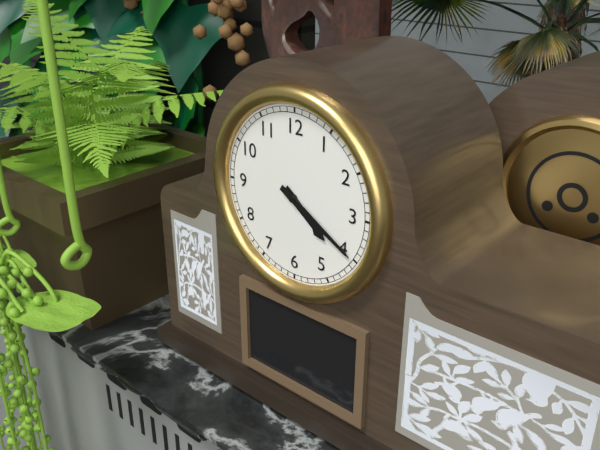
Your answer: **4:20**
